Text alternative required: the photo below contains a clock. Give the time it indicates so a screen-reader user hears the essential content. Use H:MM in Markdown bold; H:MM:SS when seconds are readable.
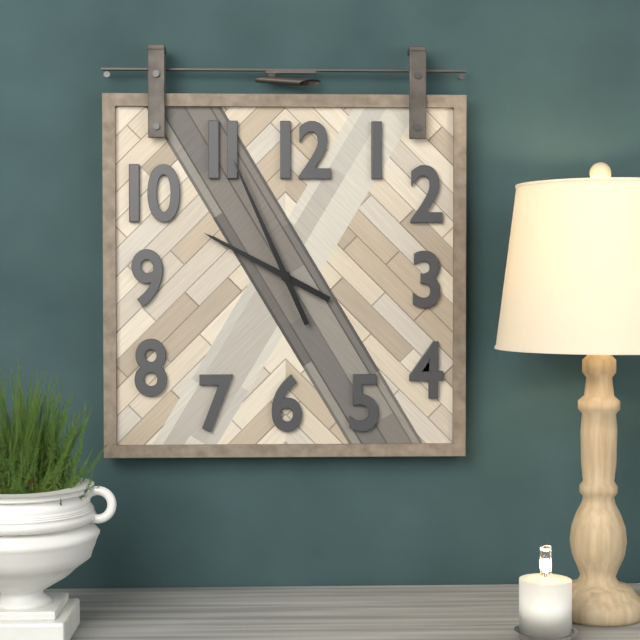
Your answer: **9:56**
